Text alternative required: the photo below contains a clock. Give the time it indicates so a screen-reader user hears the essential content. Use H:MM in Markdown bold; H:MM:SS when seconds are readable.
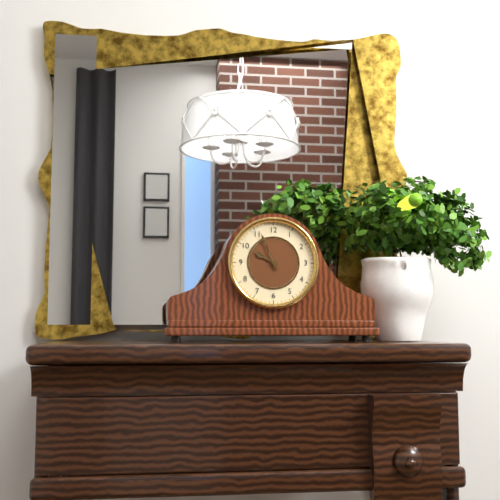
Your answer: **9:56**
